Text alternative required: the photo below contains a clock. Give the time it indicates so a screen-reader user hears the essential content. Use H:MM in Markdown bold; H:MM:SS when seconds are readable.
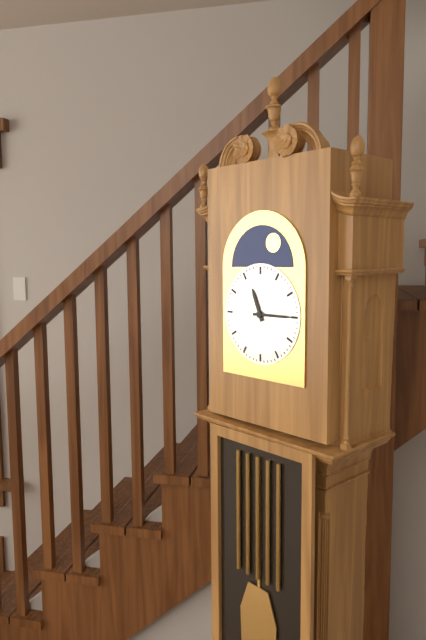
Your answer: **11:15**
